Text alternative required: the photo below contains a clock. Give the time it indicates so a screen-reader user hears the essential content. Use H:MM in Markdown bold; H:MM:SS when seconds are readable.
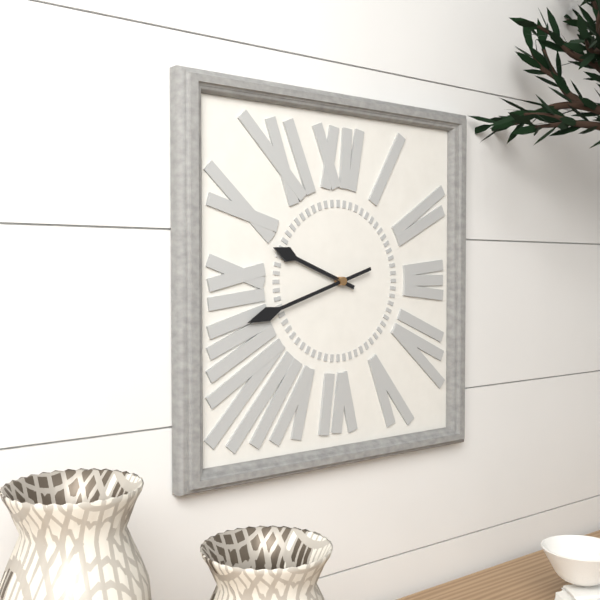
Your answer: **9:42**
